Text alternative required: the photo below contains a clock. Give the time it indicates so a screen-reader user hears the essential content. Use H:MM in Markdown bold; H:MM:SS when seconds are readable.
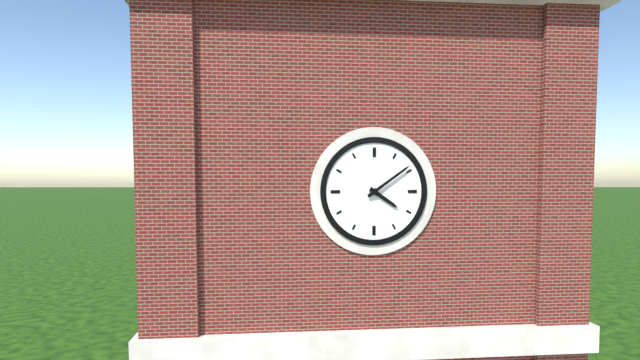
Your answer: **4:09**
